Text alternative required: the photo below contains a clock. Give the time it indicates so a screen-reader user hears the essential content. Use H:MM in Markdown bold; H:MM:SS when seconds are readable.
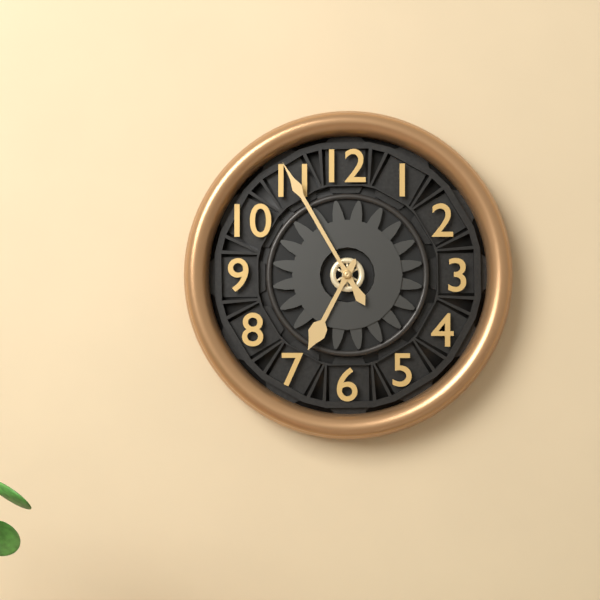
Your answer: **6:55**
